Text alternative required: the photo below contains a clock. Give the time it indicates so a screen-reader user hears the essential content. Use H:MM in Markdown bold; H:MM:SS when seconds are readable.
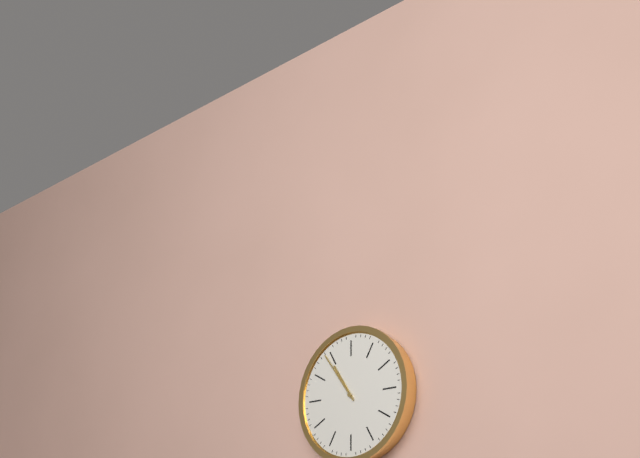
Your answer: **10:54**
